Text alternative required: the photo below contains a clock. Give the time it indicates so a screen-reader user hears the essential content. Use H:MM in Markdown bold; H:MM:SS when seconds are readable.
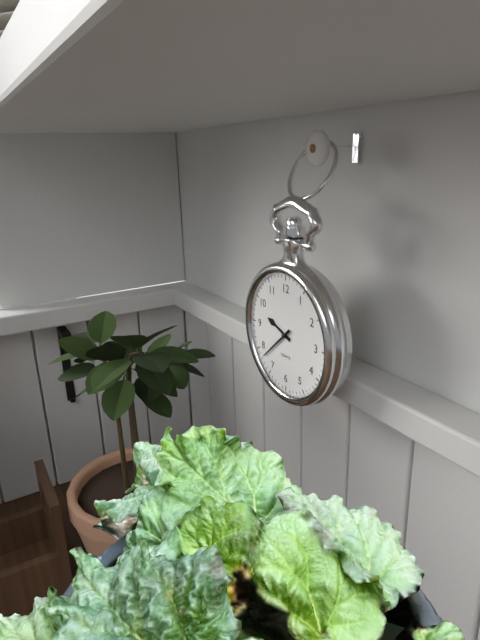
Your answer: **9:38**
